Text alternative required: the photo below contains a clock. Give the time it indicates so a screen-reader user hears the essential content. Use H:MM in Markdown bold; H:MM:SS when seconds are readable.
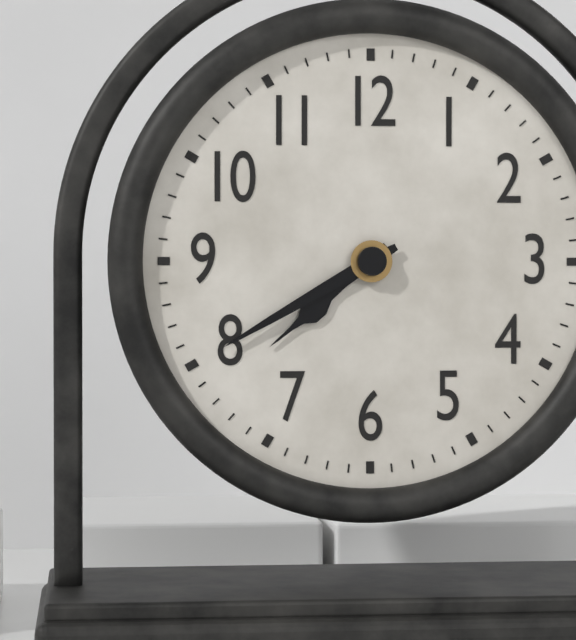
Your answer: **7:40**
